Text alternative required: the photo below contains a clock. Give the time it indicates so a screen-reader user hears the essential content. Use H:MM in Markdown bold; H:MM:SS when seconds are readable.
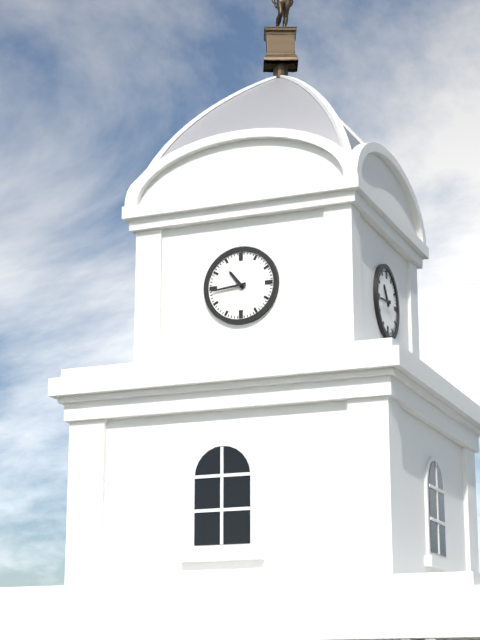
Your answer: **10:44**
